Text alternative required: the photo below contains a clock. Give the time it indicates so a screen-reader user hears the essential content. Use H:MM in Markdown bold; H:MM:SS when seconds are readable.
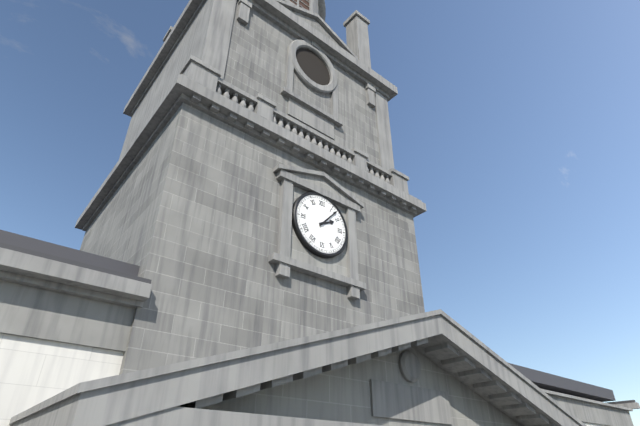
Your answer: **2:07**
